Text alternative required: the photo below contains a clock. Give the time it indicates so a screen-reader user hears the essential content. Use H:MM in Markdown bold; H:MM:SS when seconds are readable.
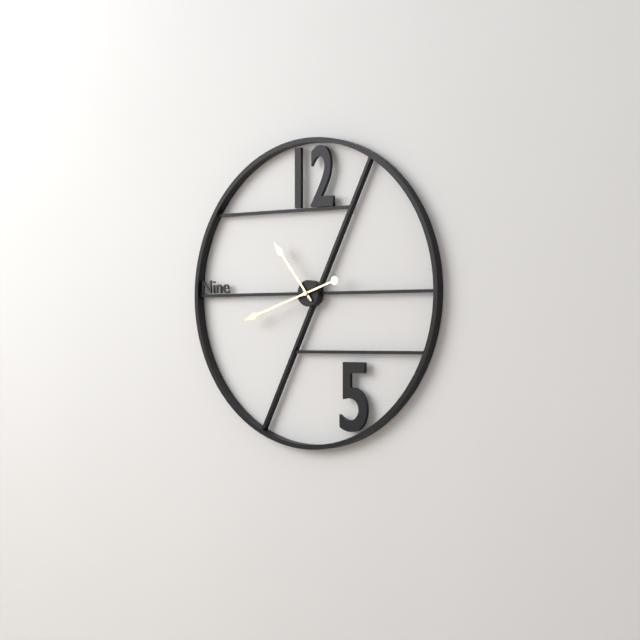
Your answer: **10:42**
